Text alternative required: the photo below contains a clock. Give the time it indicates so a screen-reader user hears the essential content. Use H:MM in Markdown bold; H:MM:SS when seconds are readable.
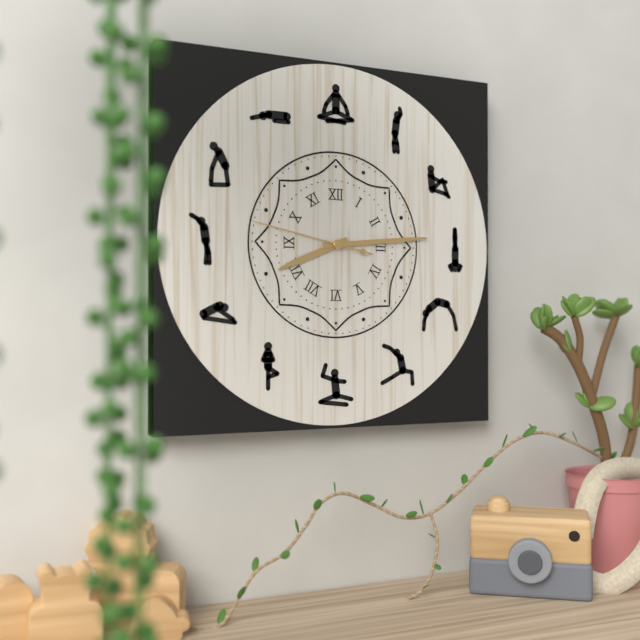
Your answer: **8:14:47**
